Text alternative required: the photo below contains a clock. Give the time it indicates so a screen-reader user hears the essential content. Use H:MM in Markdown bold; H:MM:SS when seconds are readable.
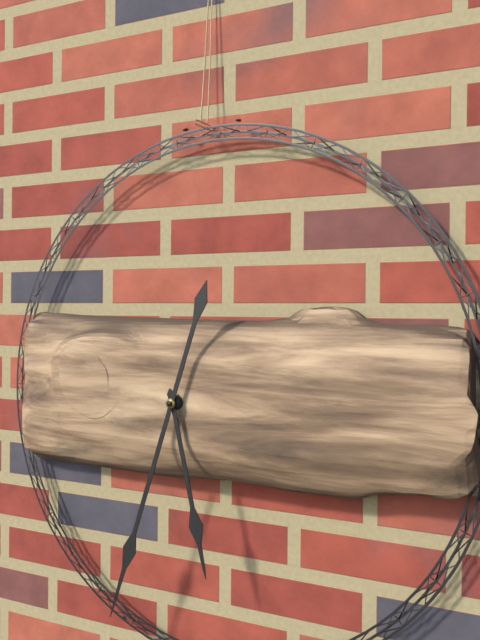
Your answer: **5:33**
